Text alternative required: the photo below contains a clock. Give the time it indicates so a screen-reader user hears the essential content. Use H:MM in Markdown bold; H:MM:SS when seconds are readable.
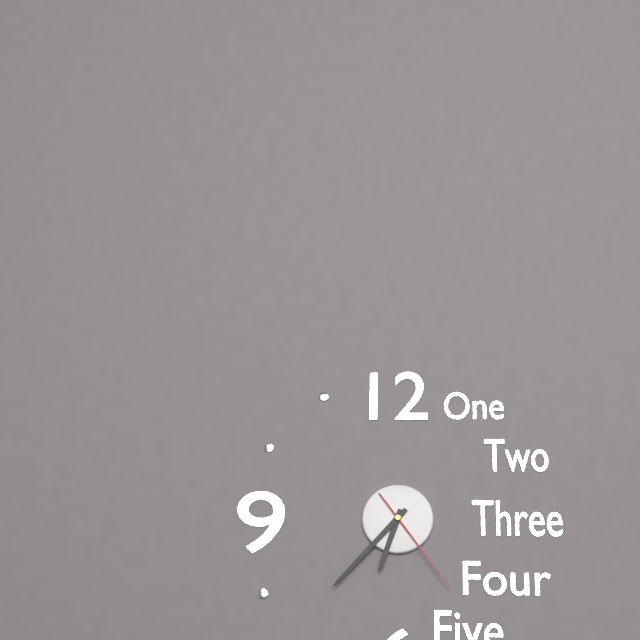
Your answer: **6:37:24**
